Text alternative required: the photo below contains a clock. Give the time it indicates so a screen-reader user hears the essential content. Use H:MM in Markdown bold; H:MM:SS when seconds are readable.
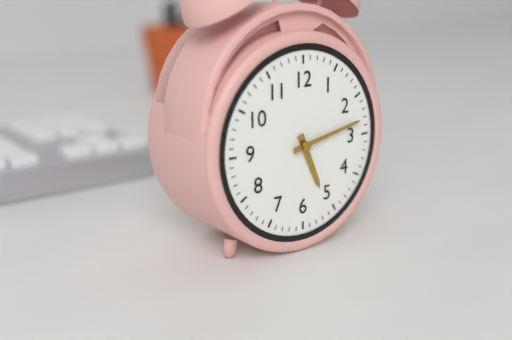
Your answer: **5:13**
